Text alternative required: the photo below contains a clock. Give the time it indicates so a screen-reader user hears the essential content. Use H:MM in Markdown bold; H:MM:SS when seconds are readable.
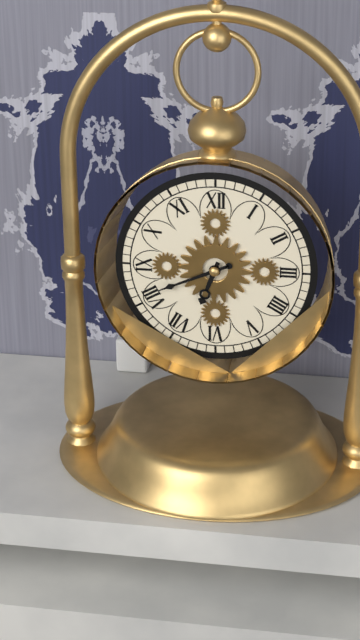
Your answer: **6:41**
